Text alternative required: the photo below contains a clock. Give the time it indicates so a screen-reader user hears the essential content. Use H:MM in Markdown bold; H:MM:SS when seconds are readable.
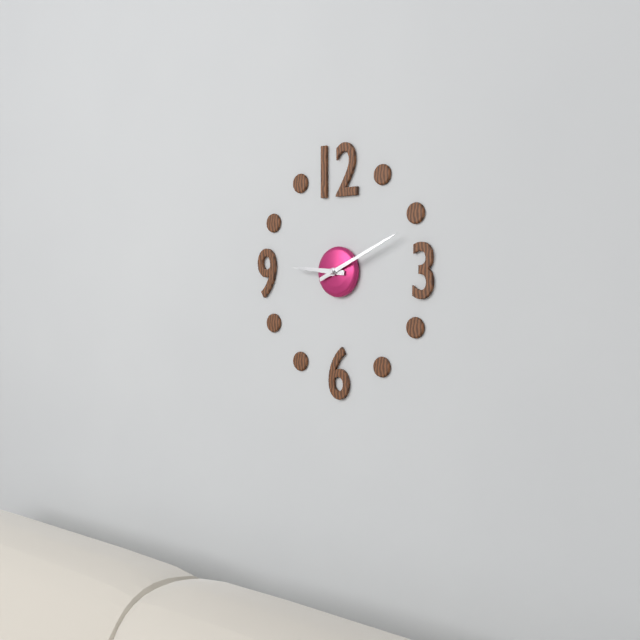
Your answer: **9:11**
